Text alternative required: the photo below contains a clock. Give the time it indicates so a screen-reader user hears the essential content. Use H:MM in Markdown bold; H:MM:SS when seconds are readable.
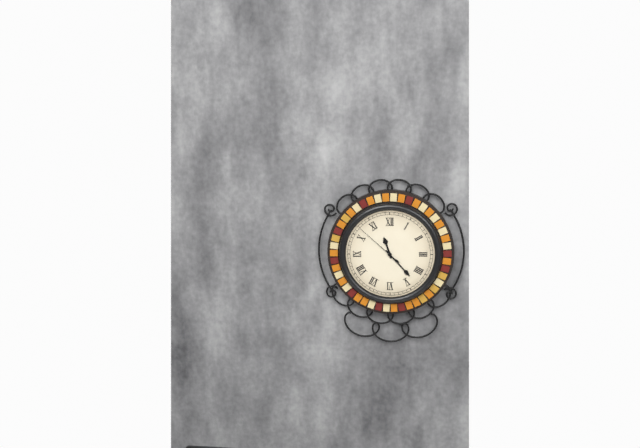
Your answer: **11:23**
